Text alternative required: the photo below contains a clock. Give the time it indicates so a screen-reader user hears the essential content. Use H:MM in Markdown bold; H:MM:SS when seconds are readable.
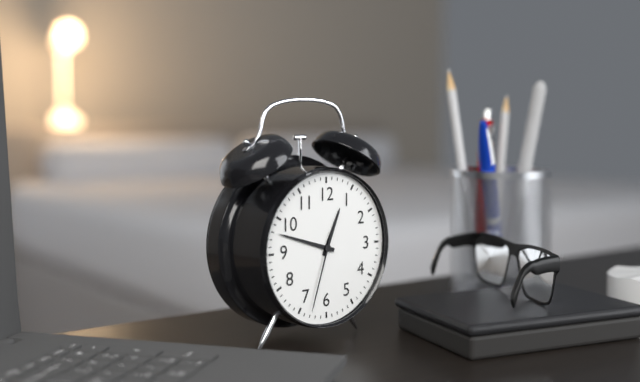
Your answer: **12:48:33**
